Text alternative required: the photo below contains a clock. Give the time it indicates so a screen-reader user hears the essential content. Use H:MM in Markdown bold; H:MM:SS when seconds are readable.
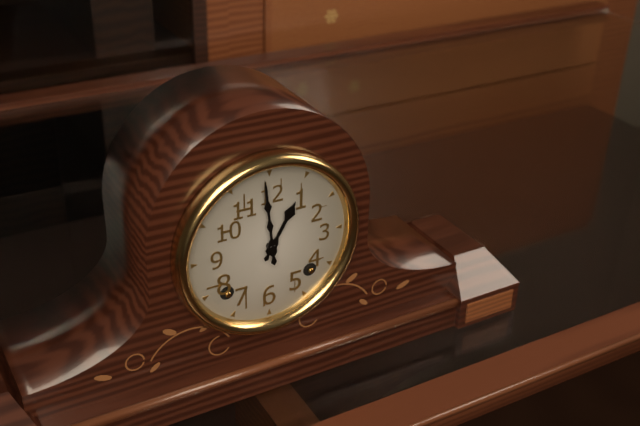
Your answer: **12:59**
